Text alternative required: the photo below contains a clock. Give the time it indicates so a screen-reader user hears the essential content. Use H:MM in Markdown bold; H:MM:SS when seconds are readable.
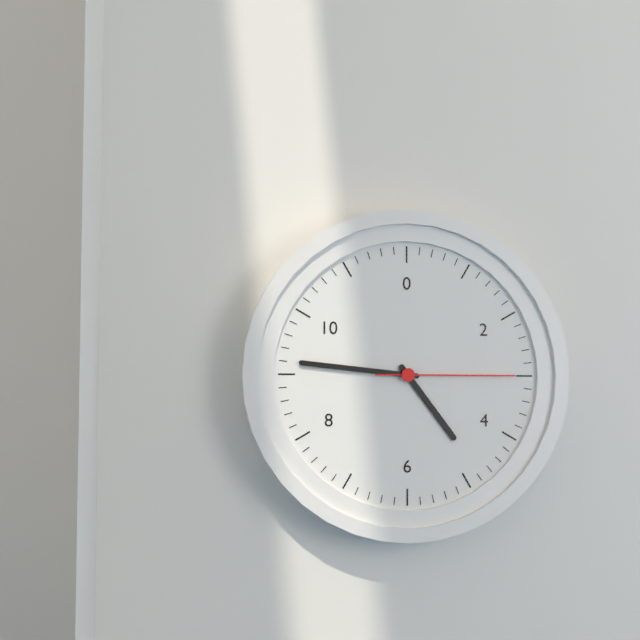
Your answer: **4:46:15**
